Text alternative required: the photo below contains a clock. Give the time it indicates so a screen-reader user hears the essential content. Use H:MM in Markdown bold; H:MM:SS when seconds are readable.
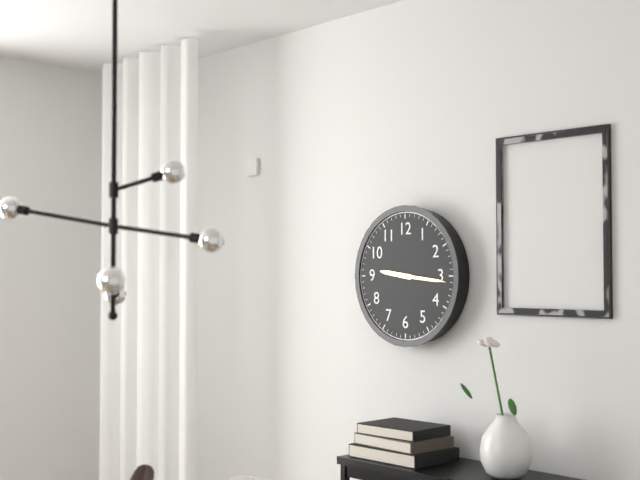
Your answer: **9:16**
